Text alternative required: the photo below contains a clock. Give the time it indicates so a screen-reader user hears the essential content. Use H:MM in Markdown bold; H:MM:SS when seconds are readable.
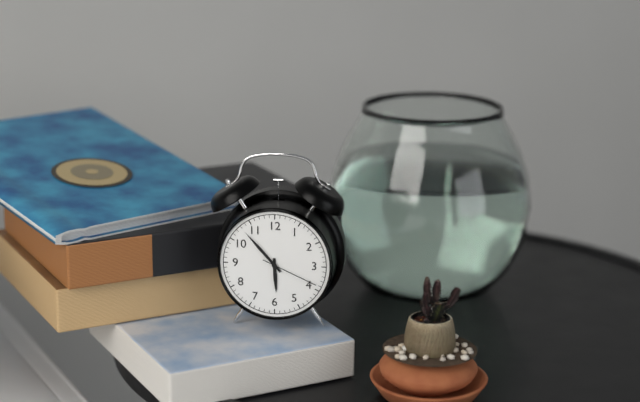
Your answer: **5:53:19**
